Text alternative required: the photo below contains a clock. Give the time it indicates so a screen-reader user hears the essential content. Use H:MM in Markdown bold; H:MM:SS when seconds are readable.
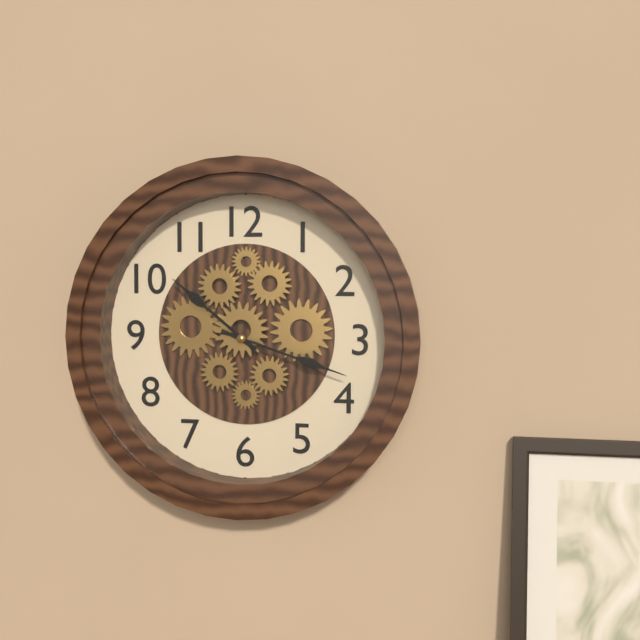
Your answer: **10:18**
